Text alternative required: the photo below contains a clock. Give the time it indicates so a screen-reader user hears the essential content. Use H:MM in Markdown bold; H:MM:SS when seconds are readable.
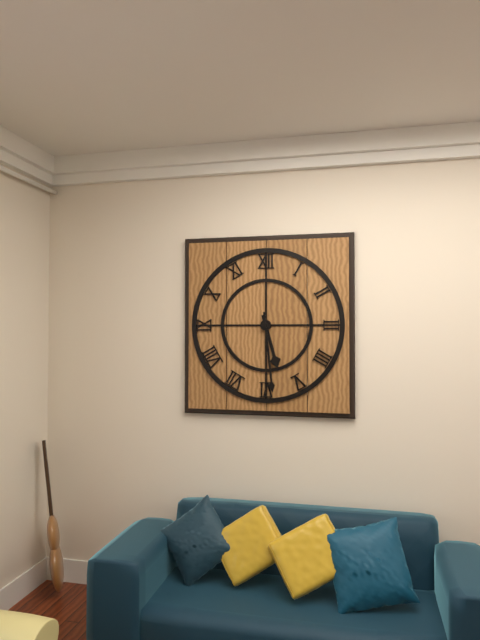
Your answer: **5:29**
